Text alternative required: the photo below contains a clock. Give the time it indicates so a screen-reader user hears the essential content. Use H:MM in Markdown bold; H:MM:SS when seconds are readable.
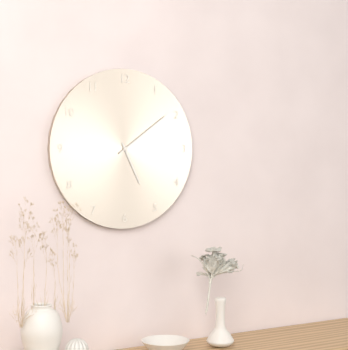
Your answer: **5:09**
